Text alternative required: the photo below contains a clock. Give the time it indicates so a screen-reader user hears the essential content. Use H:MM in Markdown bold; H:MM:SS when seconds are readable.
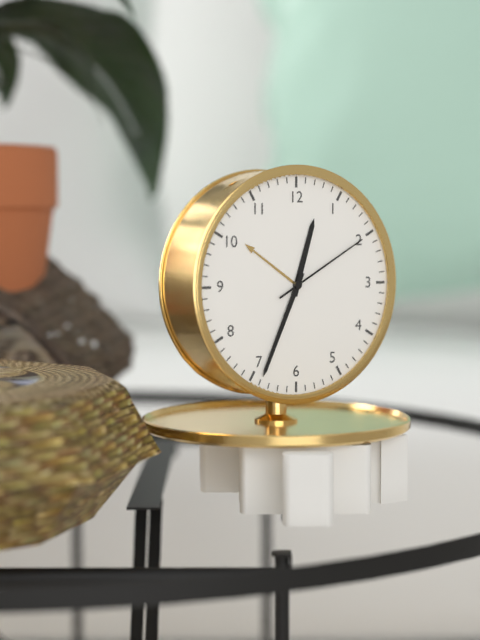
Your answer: **12:34:10**
